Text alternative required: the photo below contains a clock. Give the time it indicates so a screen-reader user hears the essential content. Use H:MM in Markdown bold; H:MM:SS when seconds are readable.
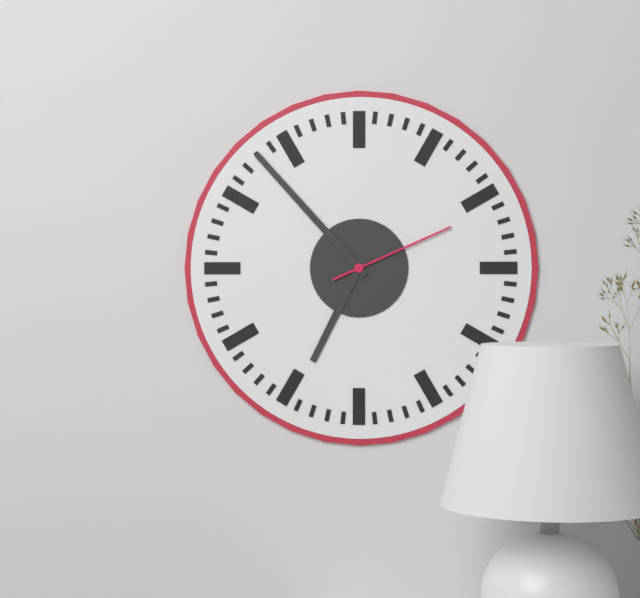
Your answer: **6:53:11**
